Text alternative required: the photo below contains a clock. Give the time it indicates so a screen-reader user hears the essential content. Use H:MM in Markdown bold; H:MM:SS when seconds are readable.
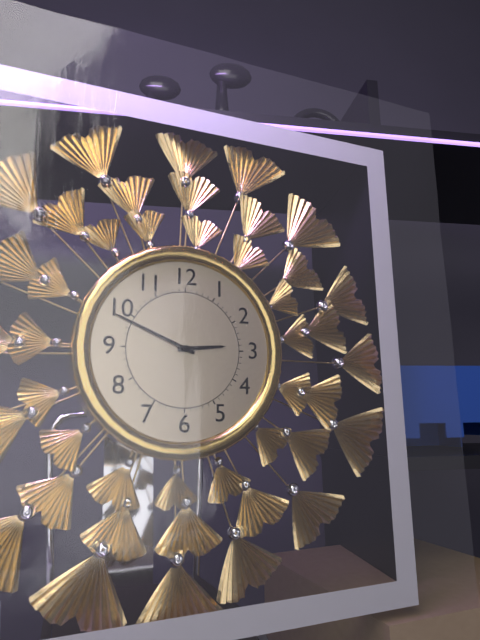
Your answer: **2:49**
